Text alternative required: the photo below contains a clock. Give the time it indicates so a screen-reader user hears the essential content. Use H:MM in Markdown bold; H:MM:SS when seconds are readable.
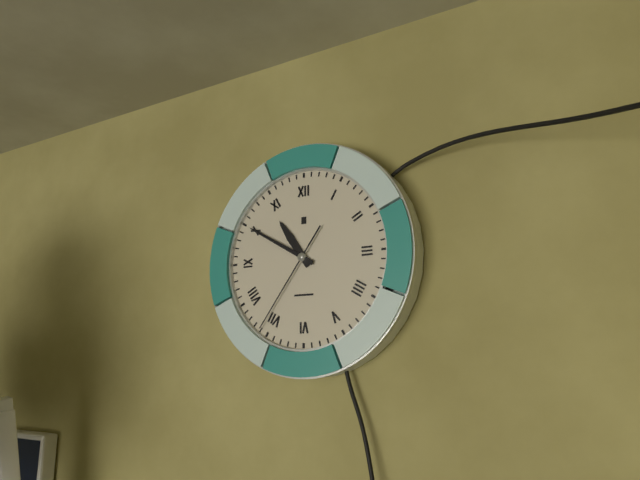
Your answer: **10:50:36**
